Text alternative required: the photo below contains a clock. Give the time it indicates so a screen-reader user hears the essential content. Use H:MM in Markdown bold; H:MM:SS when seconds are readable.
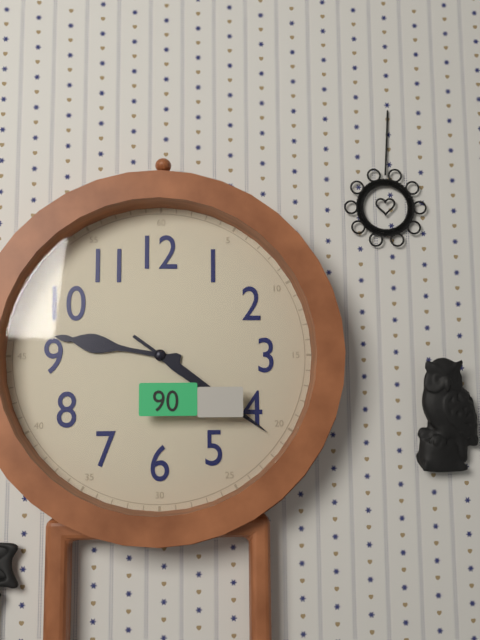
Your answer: **9:21**
